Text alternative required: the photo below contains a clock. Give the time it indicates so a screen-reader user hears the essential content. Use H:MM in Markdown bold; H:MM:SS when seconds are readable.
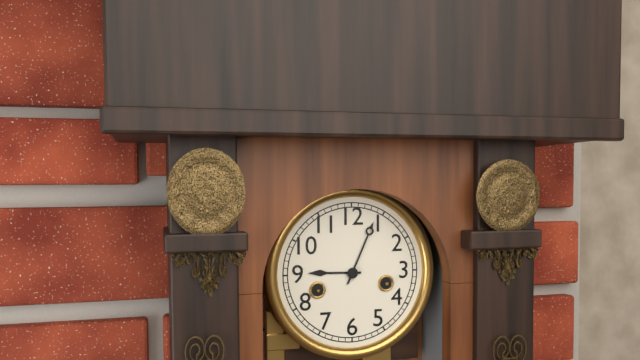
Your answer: **9:04**
